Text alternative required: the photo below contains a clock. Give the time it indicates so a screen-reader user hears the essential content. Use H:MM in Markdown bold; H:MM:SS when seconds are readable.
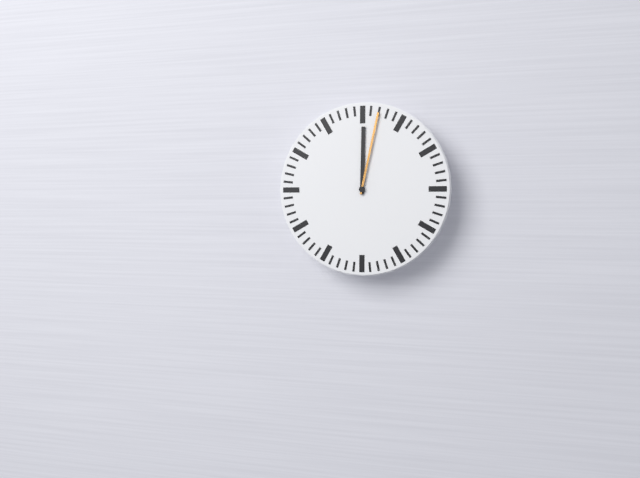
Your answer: **12:02**
